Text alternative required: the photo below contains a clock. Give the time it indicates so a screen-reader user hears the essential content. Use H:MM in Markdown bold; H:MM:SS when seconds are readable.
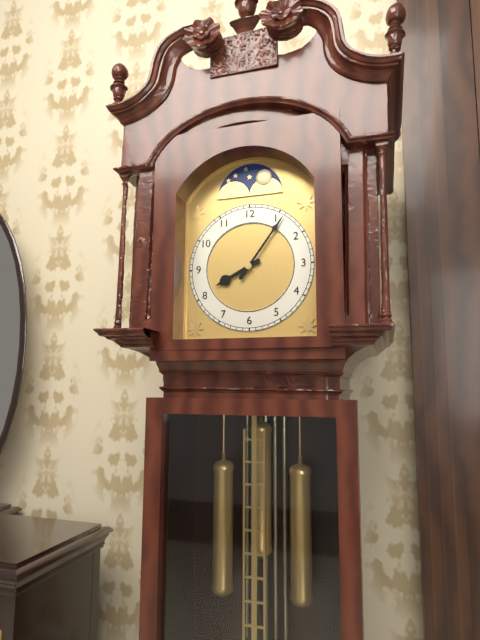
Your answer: **8:06**
